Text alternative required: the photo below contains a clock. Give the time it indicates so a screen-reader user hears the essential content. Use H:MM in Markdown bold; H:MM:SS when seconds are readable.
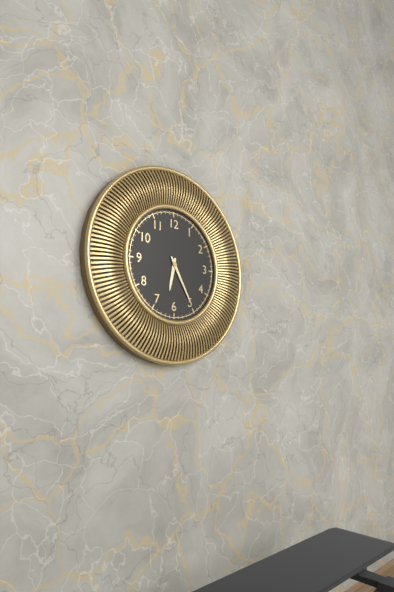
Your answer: **6:25**
